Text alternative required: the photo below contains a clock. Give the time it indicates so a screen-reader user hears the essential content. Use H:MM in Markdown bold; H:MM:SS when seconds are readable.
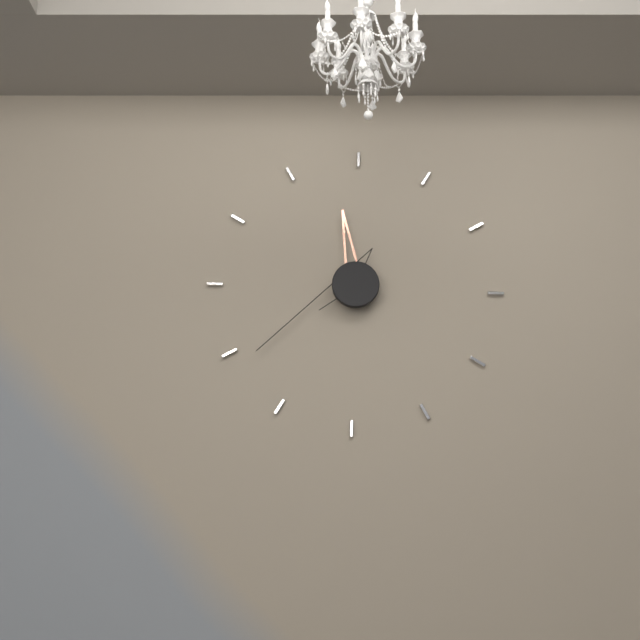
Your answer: **11:39**
